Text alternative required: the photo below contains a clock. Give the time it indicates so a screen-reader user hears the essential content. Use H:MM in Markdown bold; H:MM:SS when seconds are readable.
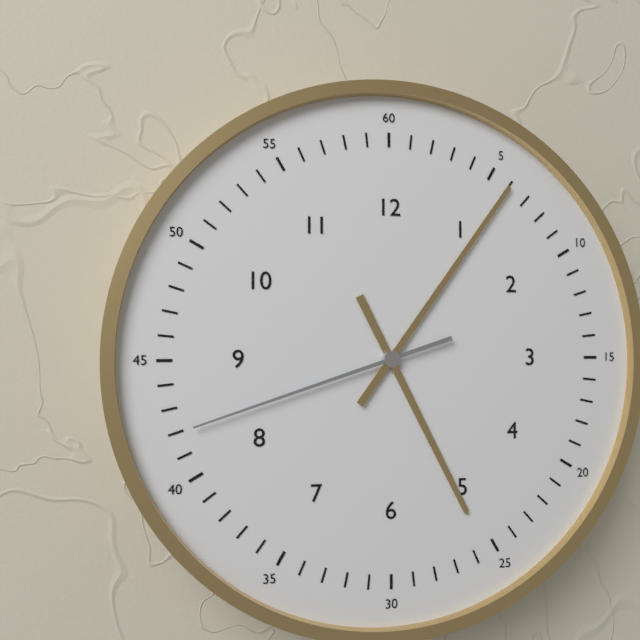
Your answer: **5:06:42**
